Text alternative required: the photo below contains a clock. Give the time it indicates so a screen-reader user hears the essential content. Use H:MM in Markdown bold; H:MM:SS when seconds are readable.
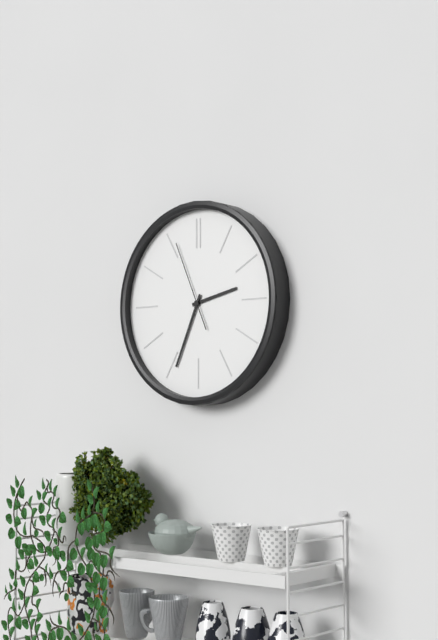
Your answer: **2:34:56**
